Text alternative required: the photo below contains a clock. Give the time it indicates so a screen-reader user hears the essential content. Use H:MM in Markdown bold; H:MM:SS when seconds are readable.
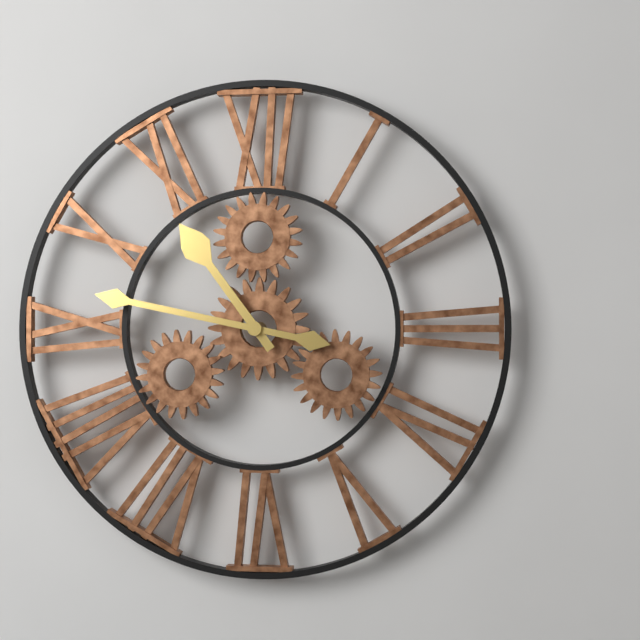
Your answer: **10:47**
